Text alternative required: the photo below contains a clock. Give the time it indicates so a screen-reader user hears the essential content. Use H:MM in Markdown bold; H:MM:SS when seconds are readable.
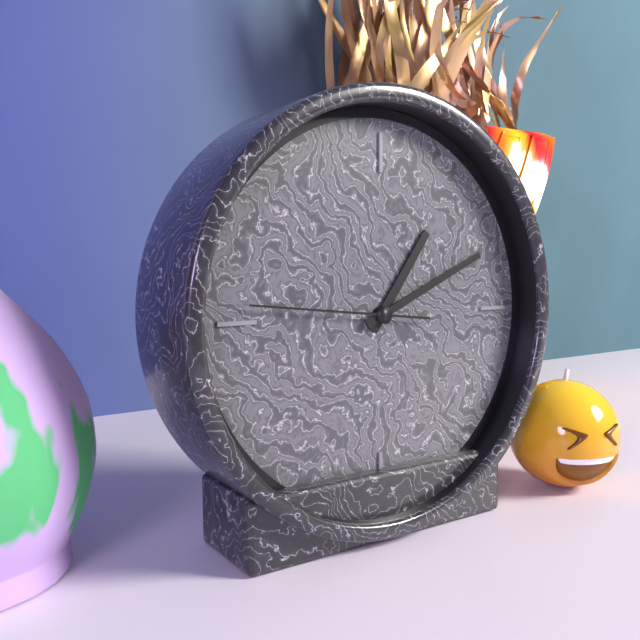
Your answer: **1:11:46**
